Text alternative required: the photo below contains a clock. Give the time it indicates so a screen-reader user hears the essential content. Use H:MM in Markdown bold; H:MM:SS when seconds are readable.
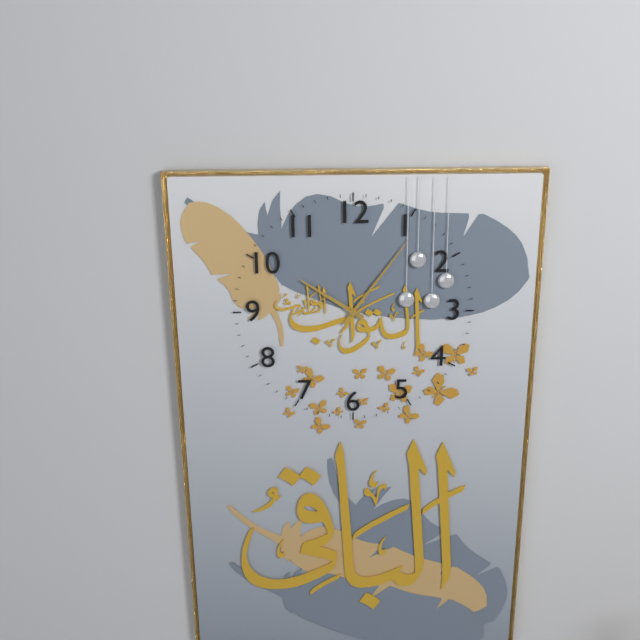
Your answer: **10:06**
